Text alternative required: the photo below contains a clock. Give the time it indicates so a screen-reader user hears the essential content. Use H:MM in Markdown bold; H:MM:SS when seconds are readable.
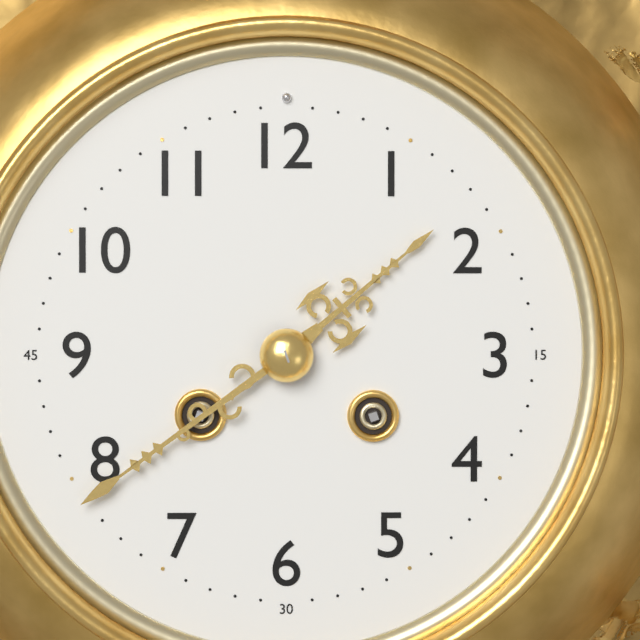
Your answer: **1:39**
